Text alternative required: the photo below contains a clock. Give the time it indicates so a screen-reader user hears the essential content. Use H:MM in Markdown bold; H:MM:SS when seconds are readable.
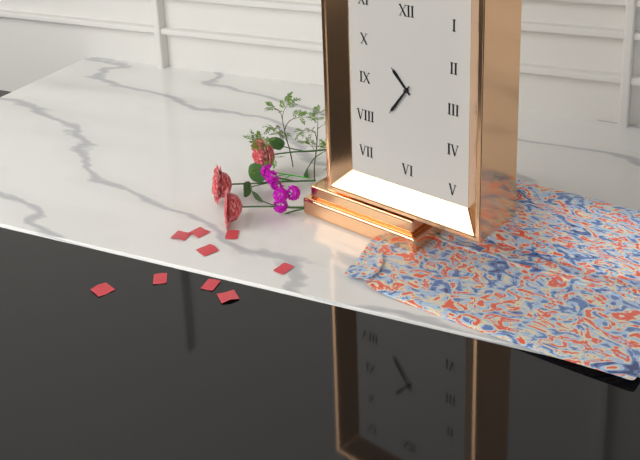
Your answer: **10:36**
